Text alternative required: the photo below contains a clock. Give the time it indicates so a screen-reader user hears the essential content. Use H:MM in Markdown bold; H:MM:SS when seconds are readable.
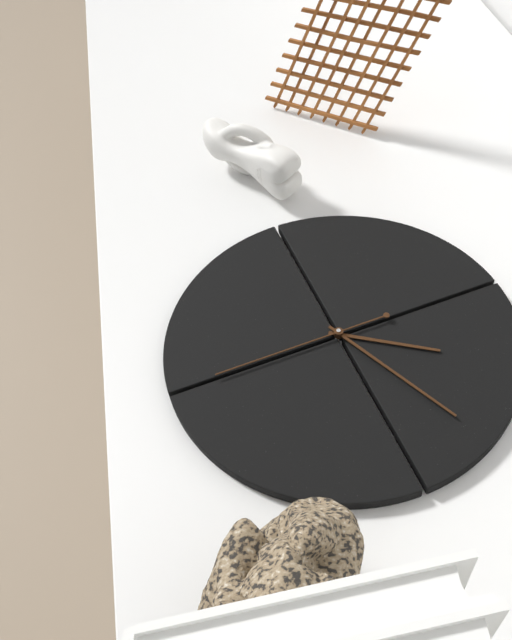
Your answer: **1:11:30**
